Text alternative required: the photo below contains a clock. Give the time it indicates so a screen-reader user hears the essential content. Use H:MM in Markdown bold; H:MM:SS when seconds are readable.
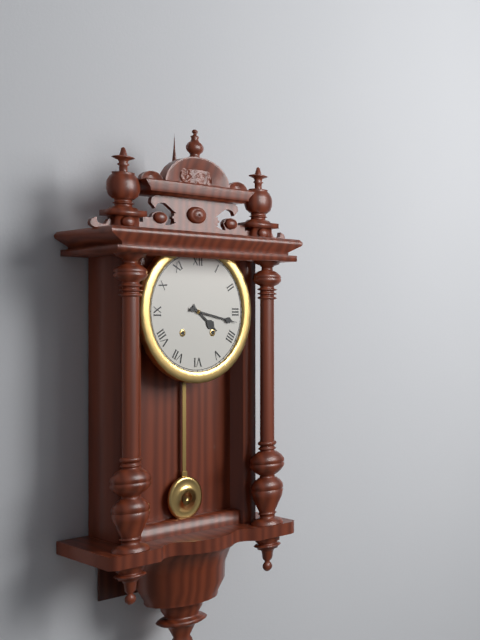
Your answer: **4:17**
